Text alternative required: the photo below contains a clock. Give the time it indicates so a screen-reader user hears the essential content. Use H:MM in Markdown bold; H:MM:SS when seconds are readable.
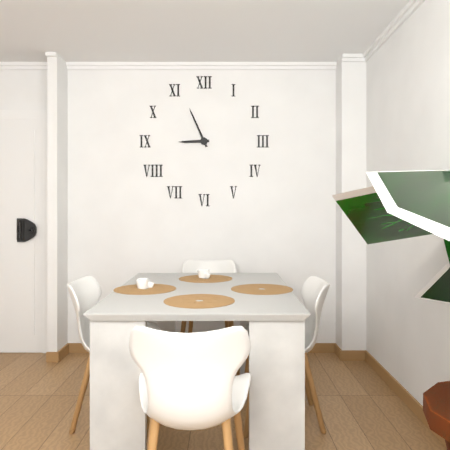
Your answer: **8:56**
